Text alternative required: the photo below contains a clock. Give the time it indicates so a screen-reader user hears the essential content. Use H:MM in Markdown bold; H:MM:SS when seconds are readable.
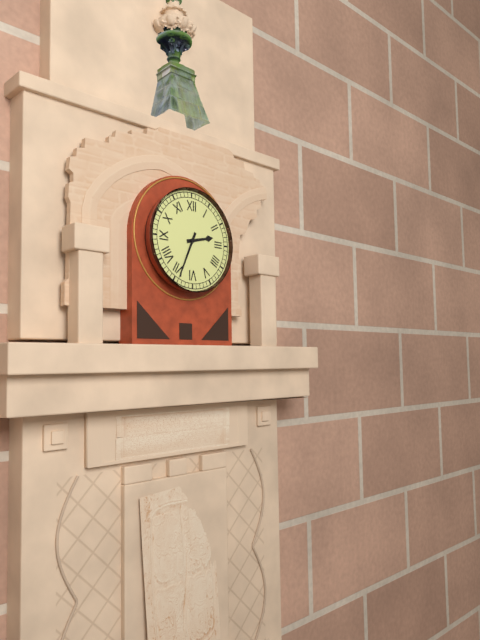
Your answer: **2:34**
